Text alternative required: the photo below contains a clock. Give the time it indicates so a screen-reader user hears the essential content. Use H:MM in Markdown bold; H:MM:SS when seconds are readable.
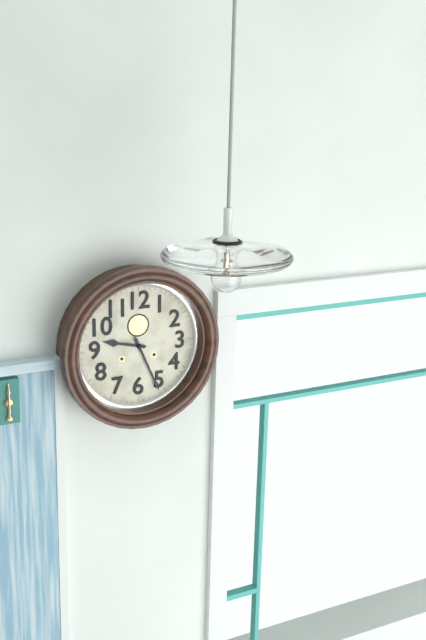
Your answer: **9:26**
